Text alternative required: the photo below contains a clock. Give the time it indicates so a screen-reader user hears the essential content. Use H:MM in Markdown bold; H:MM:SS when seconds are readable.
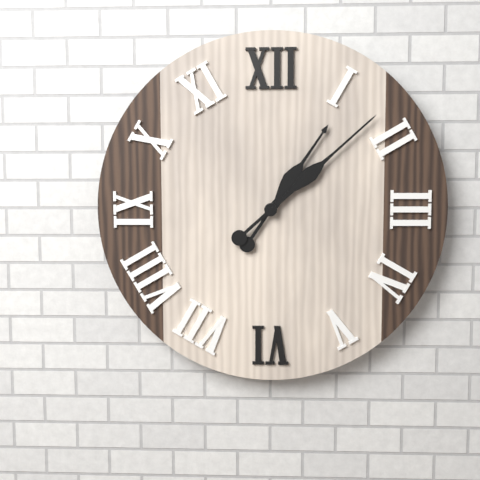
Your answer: **1:08**
